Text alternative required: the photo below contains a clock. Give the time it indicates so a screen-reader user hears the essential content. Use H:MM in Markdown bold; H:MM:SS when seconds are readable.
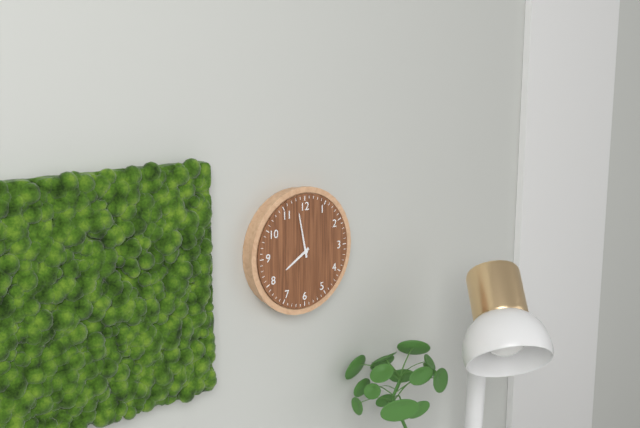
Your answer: **7:58**
